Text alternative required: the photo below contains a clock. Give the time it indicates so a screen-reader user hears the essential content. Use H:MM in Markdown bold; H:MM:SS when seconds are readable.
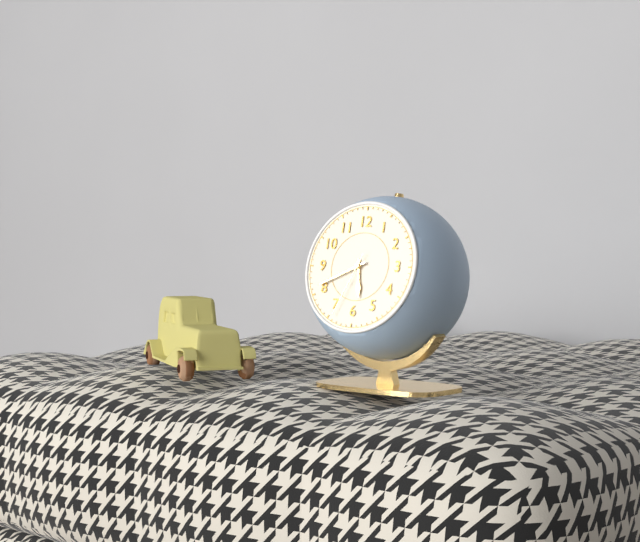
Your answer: **5:41:34**
